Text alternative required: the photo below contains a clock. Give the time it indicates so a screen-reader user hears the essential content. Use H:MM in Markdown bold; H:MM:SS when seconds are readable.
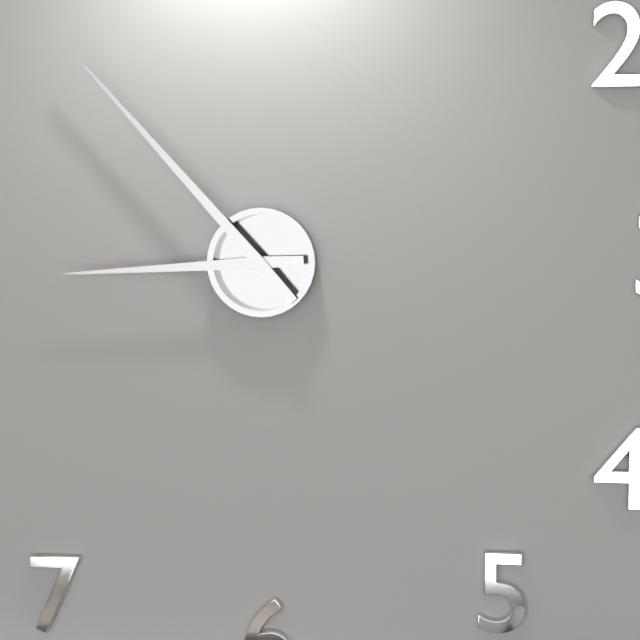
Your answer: **8:53**
